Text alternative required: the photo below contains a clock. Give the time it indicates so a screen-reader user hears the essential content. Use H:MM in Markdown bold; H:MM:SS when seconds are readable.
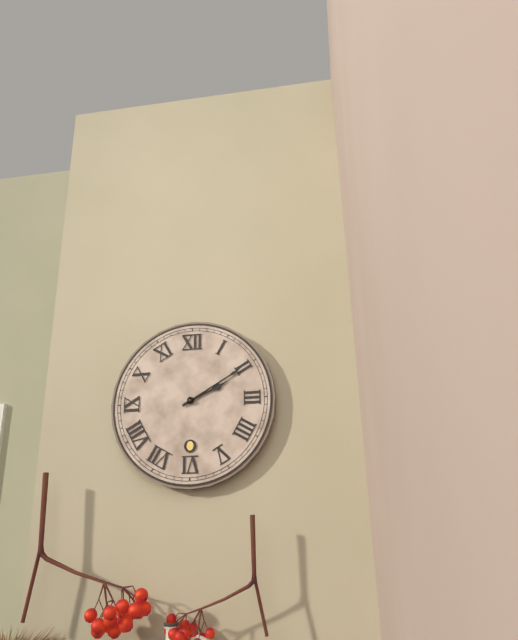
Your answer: **2:10**
